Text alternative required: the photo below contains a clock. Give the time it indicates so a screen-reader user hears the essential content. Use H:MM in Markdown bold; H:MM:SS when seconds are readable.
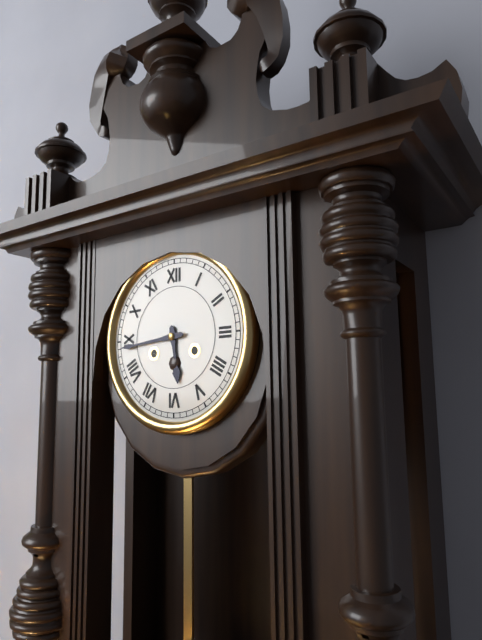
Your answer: **5:44**
